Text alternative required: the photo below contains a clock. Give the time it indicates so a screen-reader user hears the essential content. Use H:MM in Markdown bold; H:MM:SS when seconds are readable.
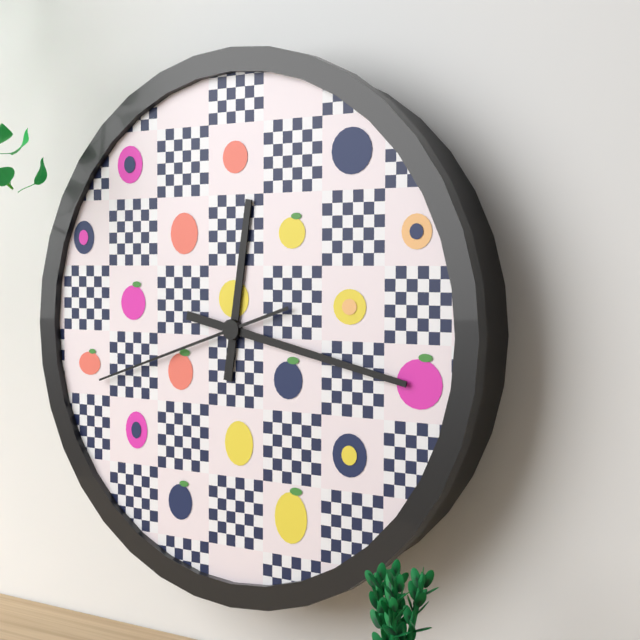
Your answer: **12:17:42**
